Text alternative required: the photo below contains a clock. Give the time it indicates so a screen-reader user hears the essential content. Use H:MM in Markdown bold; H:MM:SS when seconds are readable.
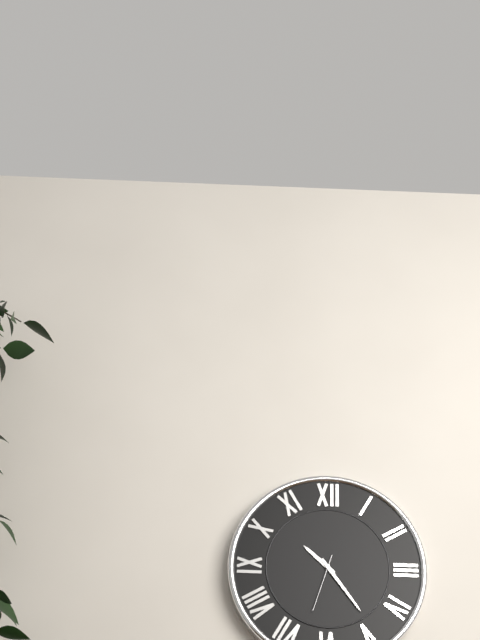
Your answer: **10:24:33**
